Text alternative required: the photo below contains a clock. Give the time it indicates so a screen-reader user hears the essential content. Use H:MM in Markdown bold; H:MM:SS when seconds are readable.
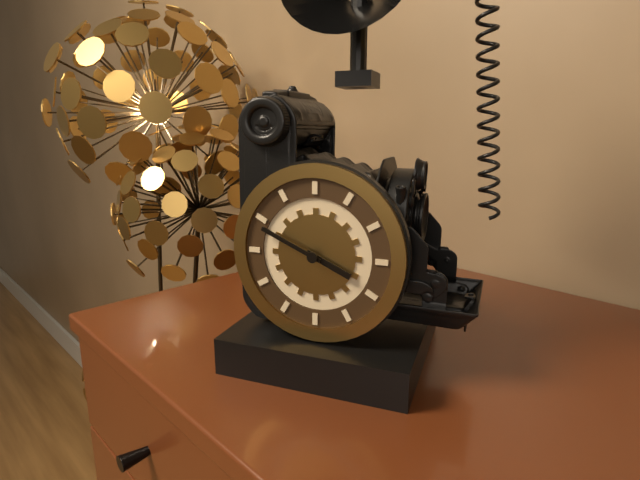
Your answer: **3:49**
